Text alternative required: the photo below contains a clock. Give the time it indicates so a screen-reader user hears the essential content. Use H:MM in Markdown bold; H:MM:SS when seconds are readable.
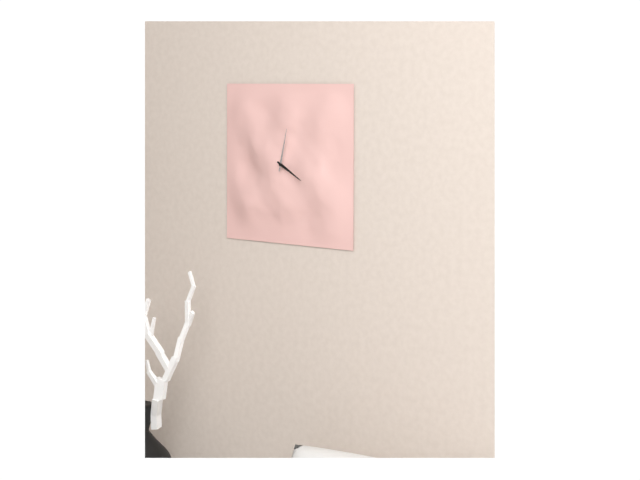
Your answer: **4:02**
